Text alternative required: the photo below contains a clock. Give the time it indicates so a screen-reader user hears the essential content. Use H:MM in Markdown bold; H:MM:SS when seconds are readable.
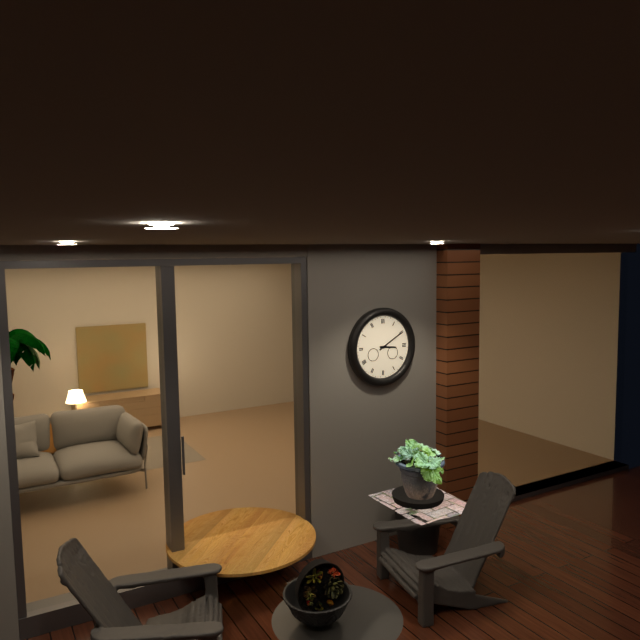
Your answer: **3:10**
